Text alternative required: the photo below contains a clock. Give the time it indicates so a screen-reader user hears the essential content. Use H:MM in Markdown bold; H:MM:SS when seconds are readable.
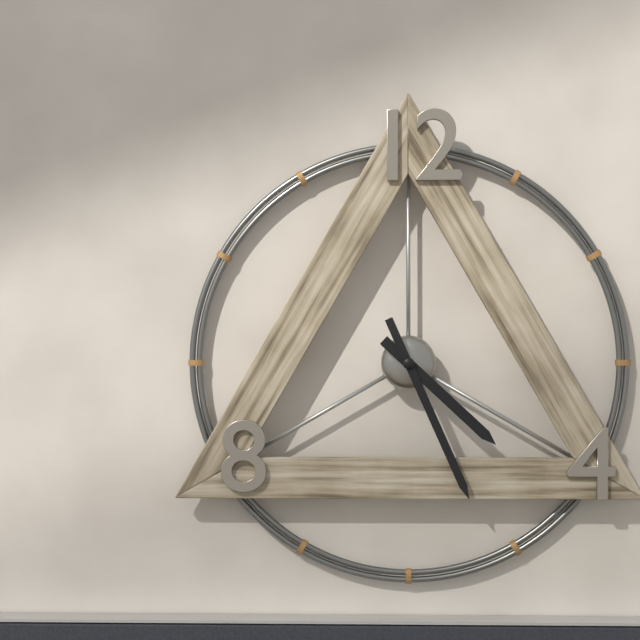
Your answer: **4:26**
